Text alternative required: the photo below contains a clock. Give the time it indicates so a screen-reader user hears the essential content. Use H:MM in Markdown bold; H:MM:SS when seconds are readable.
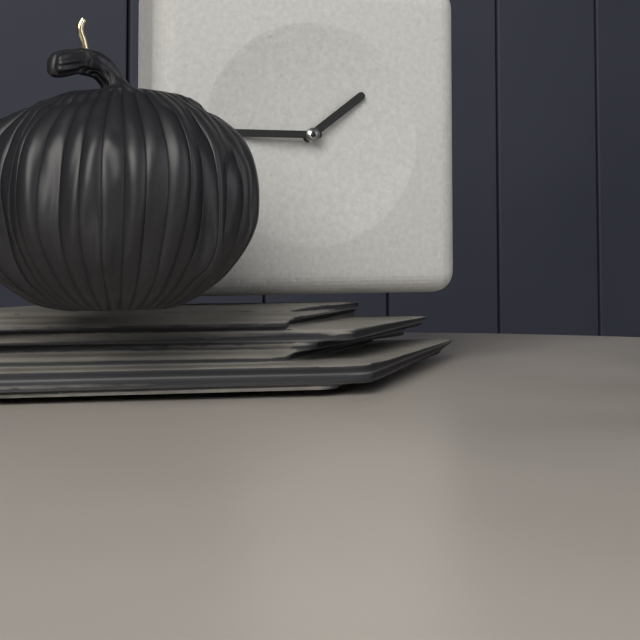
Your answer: **1:45**
